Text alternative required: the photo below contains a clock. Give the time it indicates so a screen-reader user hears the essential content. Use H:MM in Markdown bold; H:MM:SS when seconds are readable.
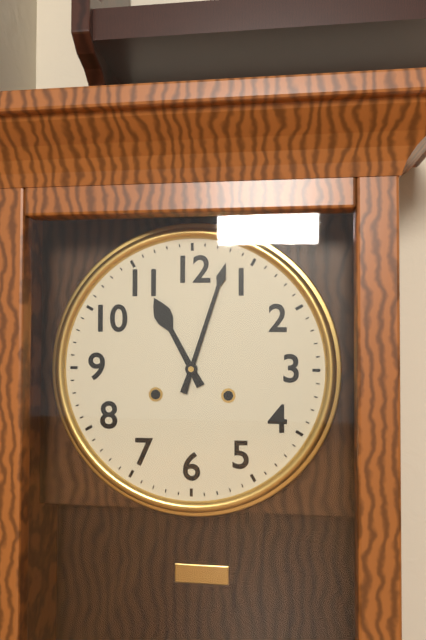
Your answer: **11:03**
